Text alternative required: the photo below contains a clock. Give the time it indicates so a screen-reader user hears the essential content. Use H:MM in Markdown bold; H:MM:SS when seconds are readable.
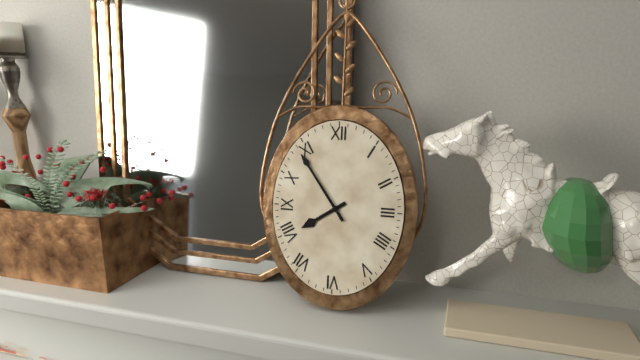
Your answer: **7:54**
